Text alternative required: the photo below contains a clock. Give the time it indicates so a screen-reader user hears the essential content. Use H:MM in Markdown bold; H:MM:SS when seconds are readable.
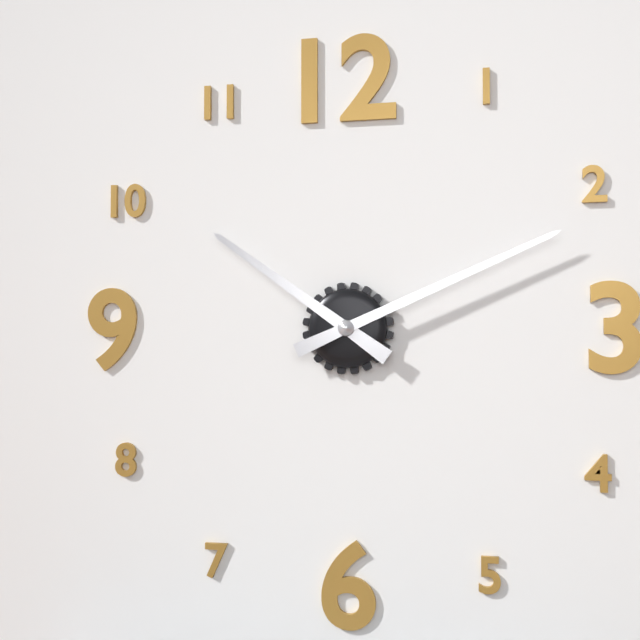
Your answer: **10:11**
